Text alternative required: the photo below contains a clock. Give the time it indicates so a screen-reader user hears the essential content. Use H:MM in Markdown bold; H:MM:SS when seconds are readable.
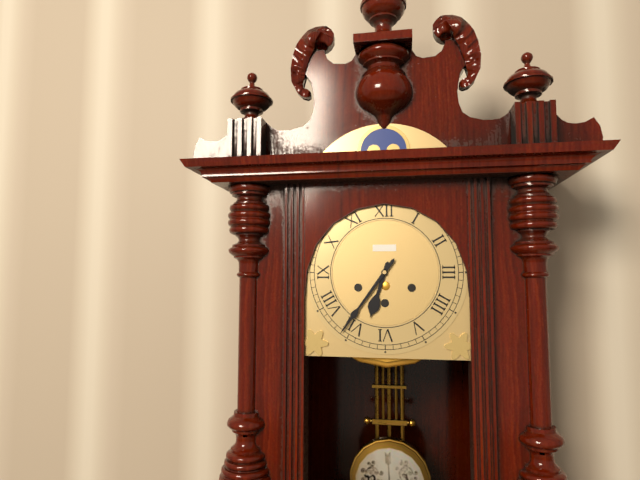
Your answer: **6:36**
